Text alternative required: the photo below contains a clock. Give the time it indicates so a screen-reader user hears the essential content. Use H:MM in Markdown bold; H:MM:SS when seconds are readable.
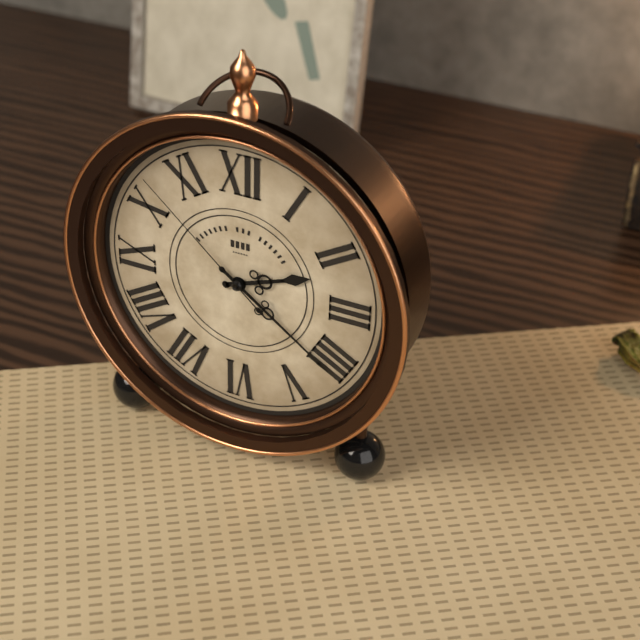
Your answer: **2:21:52**
